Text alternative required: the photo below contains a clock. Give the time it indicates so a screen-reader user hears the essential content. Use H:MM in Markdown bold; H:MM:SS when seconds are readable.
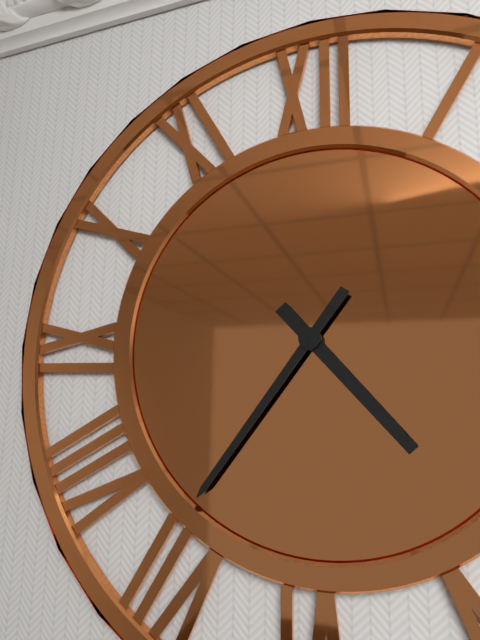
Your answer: **4:36**
